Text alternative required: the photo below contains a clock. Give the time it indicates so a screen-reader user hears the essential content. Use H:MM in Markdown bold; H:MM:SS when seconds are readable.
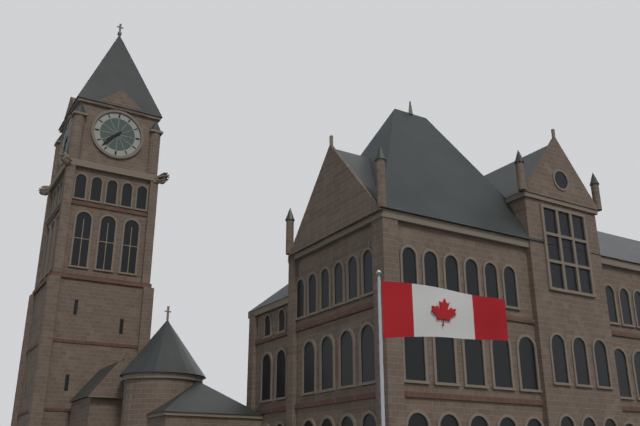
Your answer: **7:37**
